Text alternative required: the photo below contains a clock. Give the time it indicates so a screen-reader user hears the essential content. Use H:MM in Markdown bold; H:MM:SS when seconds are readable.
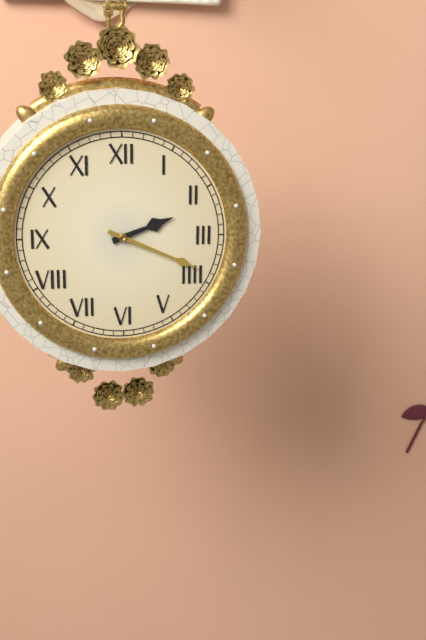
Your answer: **2:19**
